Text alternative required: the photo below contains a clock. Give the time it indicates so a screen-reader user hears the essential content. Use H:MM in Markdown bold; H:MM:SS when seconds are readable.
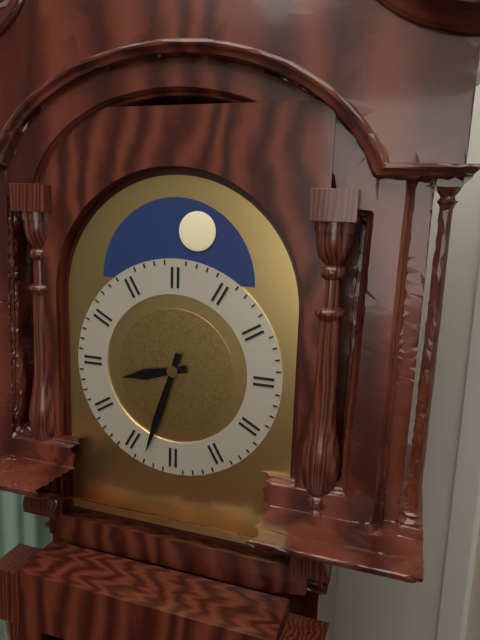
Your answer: **8:33**
